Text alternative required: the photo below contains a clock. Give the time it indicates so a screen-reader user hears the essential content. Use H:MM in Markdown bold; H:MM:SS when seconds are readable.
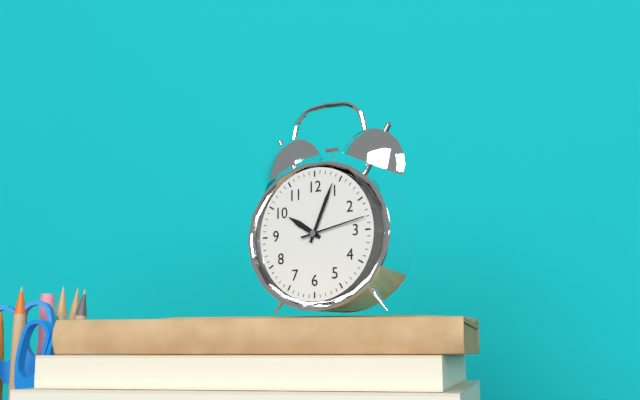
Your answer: **10:04:13**
